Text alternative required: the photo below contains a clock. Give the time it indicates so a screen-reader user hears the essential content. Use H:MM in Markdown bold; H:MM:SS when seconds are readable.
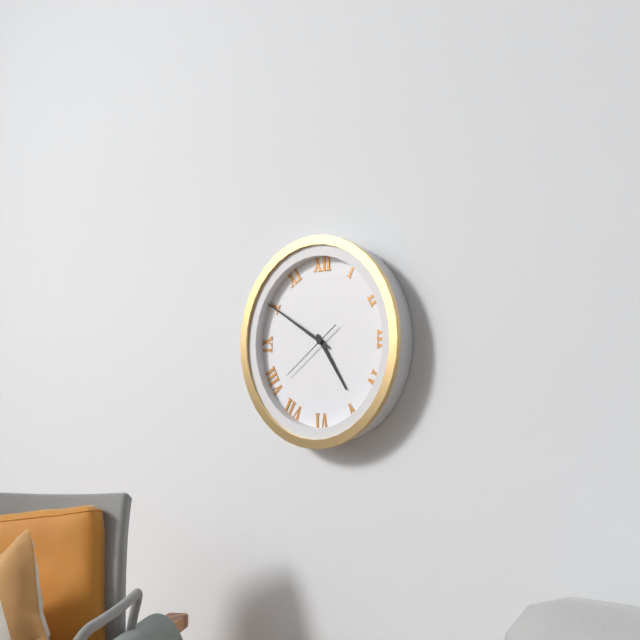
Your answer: **4:50:39**
